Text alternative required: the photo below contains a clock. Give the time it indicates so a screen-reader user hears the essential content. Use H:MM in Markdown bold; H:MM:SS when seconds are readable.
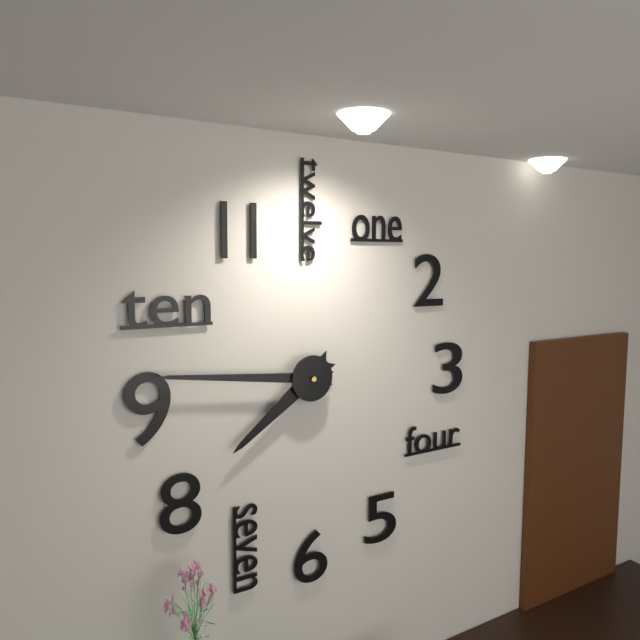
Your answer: **7:46**
